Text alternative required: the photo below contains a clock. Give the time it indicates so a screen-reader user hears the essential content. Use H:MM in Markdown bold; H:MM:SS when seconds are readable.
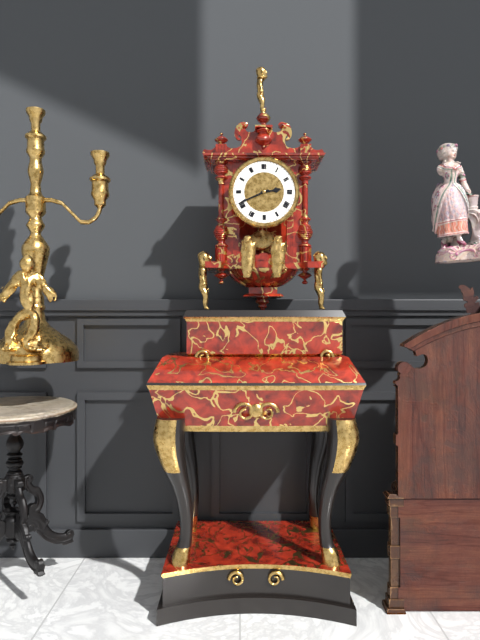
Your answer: **2:41**
